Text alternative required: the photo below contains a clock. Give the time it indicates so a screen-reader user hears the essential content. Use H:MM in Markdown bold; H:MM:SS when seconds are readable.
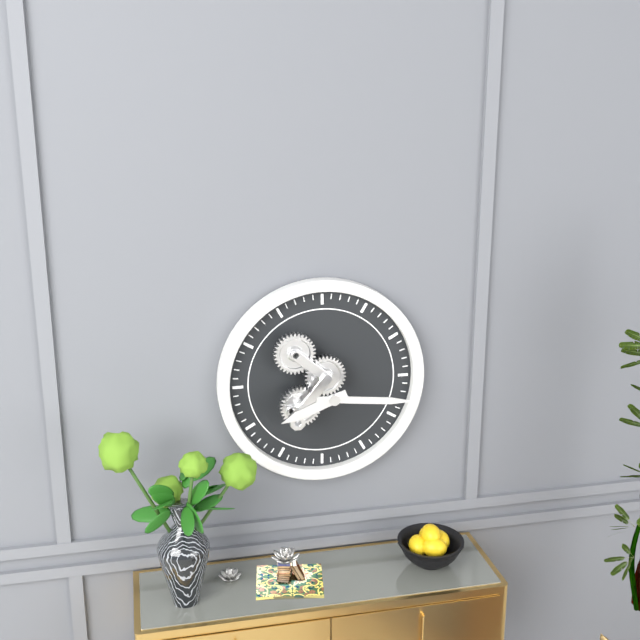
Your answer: **8:16**
